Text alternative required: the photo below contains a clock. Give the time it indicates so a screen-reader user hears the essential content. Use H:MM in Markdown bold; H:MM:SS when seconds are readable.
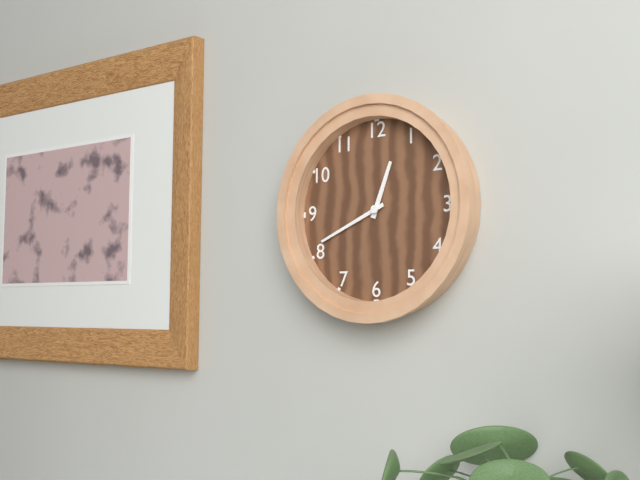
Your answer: **12:41**
